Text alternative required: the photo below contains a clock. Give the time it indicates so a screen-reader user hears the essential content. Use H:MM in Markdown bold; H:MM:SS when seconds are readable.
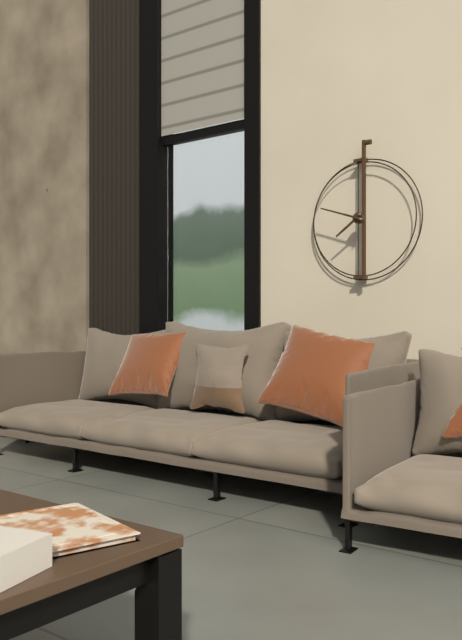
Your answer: **7:48**
